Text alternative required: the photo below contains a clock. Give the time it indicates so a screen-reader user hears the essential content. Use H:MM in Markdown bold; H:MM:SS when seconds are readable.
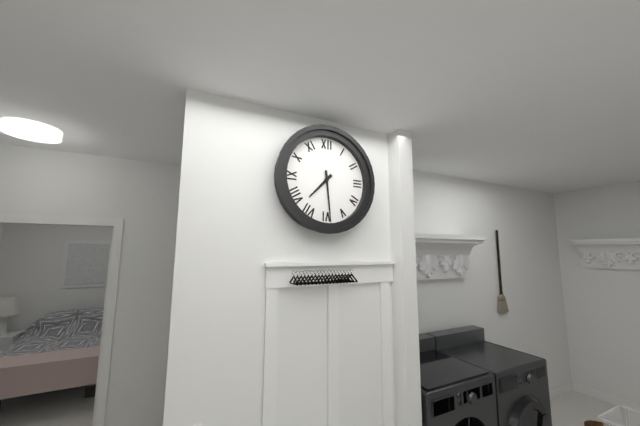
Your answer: **7:29**
